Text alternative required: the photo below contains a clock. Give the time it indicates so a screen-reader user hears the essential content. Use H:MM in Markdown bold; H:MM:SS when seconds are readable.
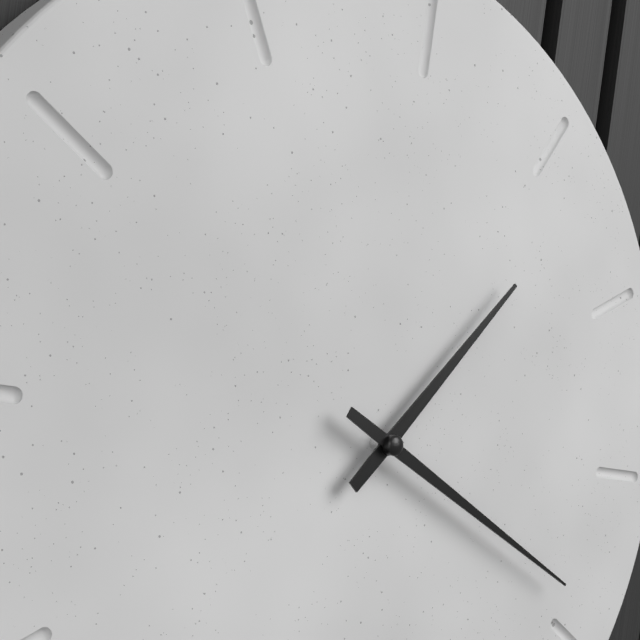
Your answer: **1:19**
